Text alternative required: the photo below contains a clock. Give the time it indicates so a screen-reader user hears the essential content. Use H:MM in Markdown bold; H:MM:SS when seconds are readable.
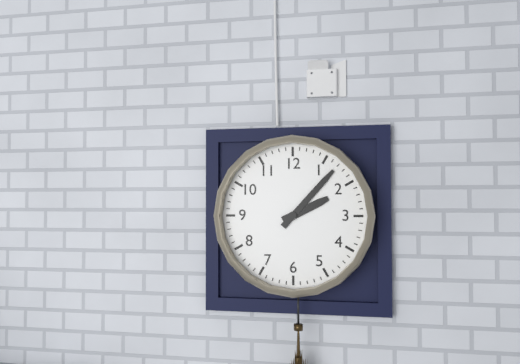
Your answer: **2:07**
